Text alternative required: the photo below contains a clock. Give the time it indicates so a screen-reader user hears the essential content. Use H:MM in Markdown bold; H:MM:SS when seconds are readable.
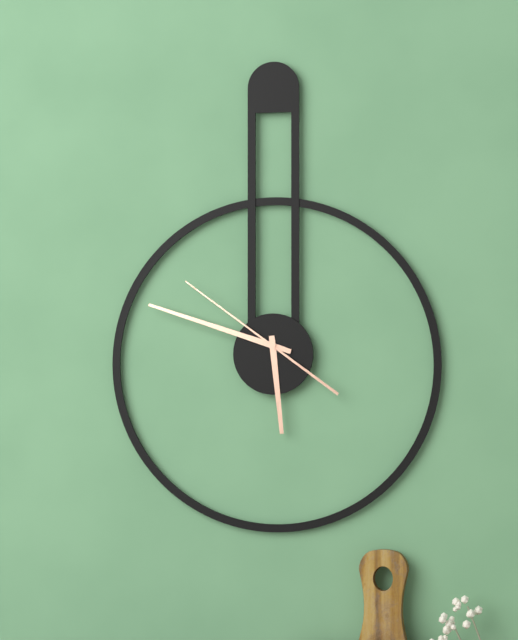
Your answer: **5:48:51**
